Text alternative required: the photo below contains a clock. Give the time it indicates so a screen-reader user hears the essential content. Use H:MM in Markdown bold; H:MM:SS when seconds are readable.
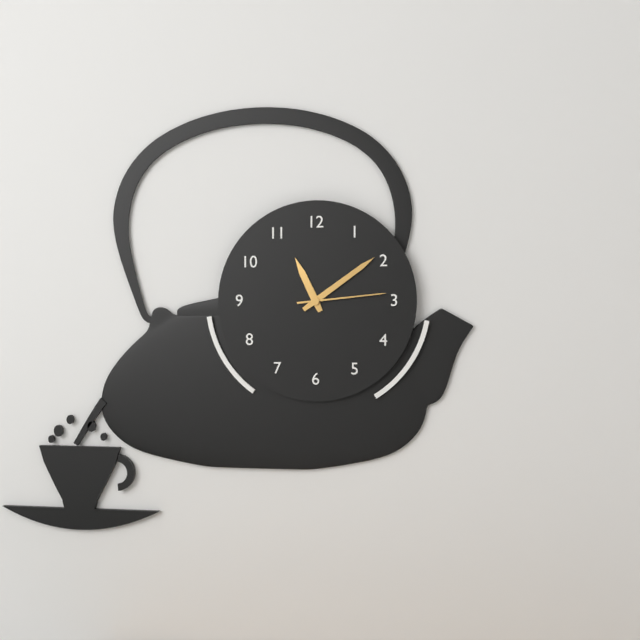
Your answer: **11:09:14**
